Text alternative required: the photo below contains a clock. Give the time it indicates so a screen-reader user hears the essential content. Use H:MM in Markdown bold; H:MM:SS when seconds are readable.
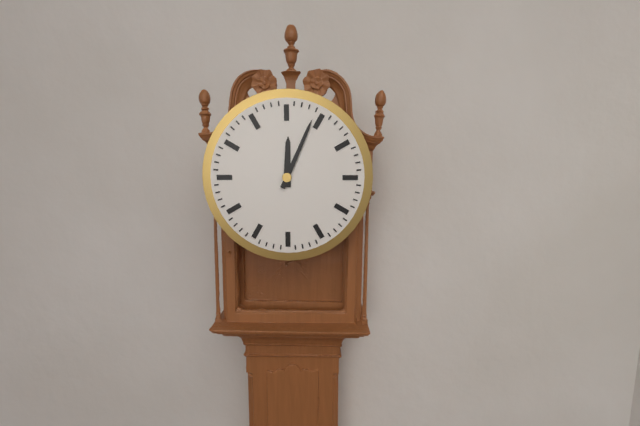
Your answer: **12:04**
